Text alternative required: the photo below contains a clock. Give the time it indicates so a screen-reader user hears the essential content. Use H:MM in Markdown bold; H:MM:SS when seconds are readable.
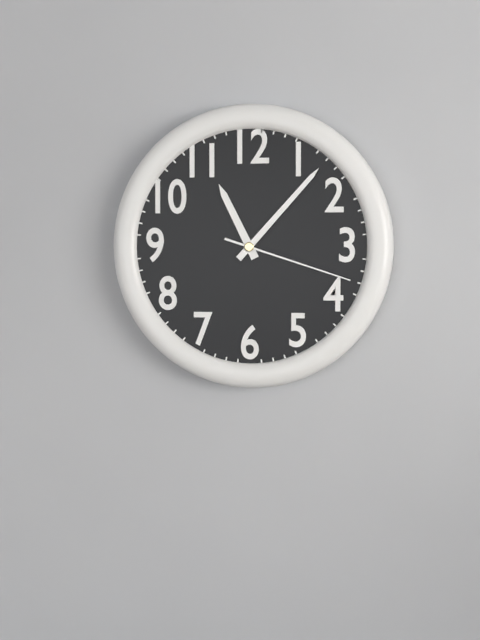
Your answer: **11:07:18**
